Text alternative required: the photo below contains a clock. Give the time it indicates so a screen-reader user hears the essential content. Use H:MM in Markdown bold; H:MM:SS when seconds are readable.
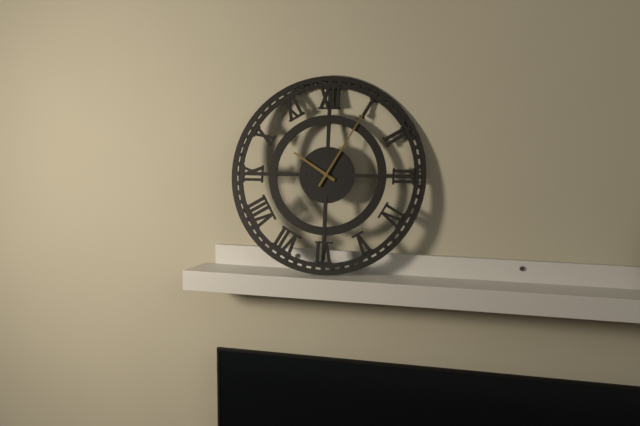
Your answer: **10:05**
